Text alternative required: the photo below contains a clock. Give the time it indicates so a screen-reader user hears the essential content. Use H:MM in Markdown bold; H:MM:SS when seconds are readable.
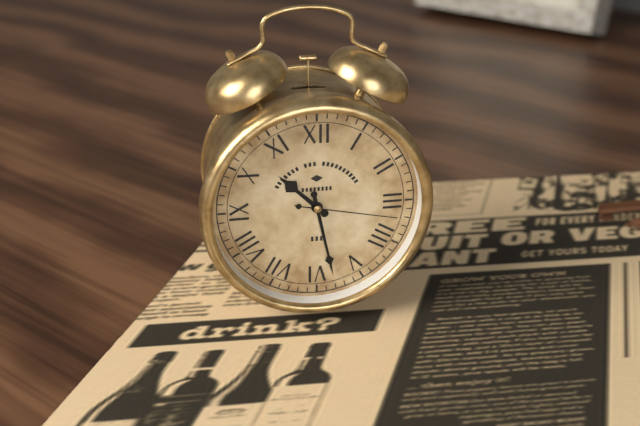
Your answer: **10:28:17**
